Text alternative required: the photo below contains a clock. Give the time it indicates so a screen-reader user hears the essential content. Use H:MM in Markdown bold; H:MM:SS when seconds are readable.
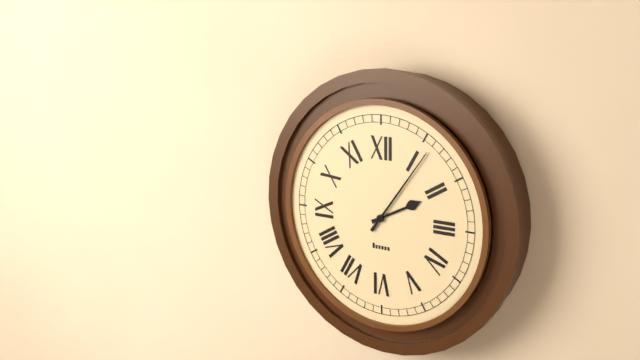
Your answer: **2:06**
